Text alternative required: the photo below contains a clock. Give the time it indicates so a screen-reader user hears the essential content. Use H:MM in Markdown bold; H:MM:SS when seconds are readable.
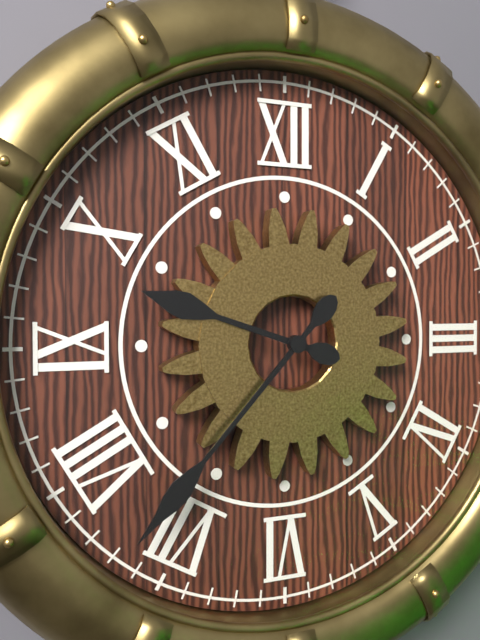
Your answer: **9:37**
